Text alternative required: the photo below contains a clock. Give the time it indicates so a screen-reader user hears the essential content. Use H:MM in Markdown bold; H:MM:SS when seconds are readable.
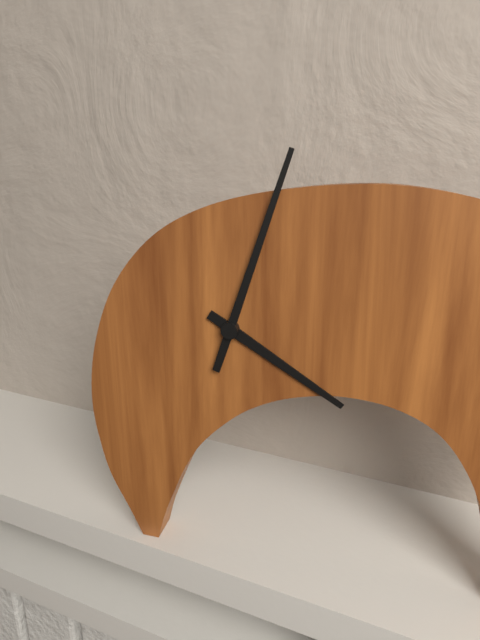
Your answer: **4:03**
